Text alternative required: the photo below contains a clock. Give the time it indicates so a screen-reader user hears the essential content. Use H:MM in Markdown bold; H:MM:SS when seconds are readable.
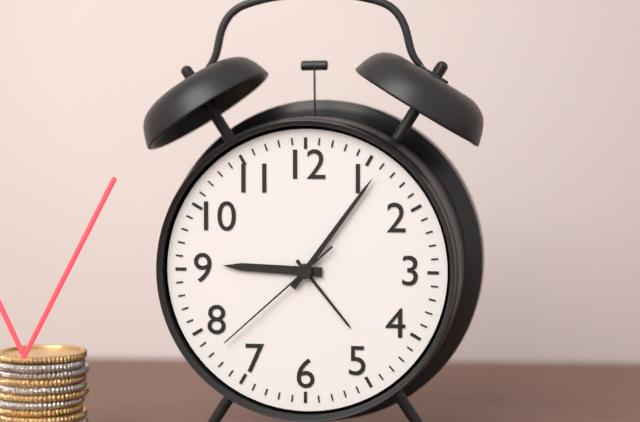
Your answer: **9:06:38**
